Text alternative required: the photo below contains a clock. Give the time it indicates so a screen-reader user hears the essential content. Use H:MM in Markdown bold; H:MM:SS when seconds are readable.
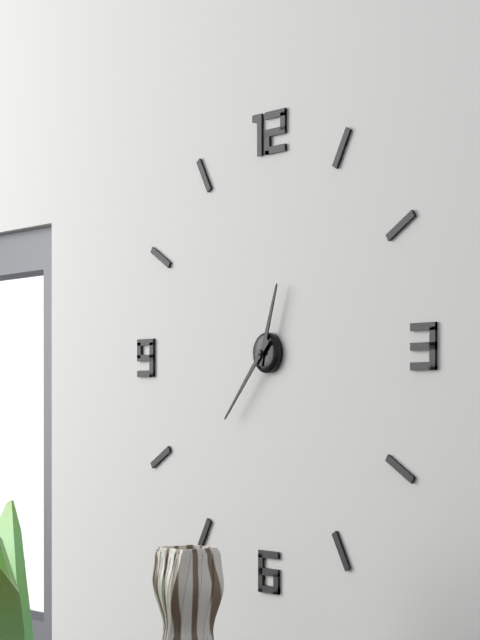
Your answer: **12:37**
